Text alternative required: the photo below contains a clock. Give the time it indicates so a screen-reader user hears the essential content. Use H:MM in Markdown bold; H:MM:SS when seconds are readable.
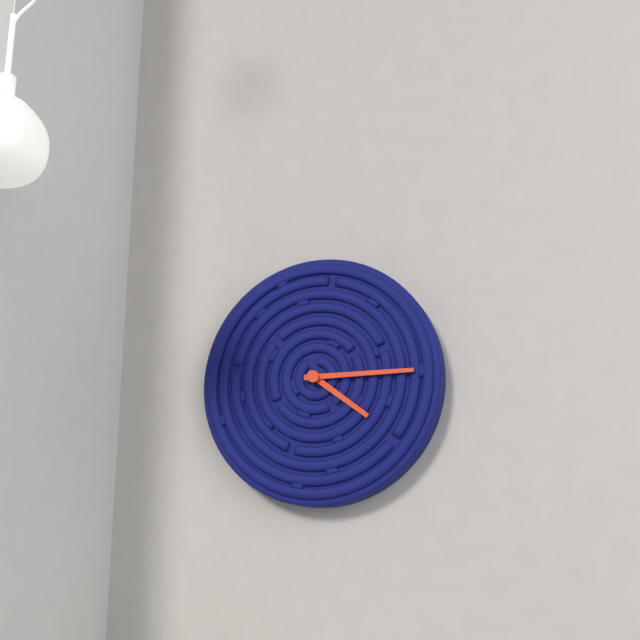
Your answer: **4:15**
